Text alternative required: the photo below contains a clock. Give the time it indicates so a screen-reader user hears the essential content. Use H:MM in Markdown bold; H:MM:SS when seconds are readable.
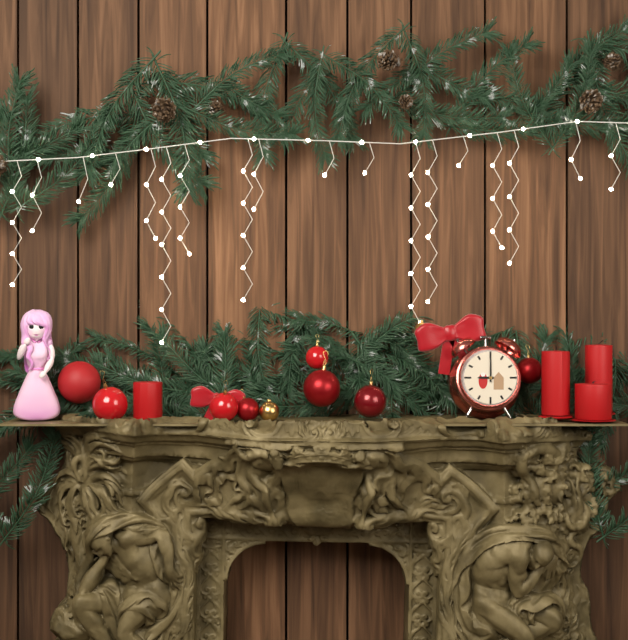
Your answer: **9:00**
